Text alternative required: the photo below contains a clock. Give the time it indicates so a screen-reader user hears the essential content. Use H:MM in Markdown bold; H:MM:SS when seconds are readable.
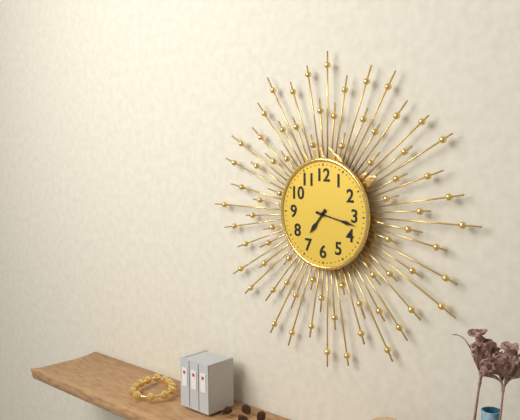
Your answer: **7:17**
